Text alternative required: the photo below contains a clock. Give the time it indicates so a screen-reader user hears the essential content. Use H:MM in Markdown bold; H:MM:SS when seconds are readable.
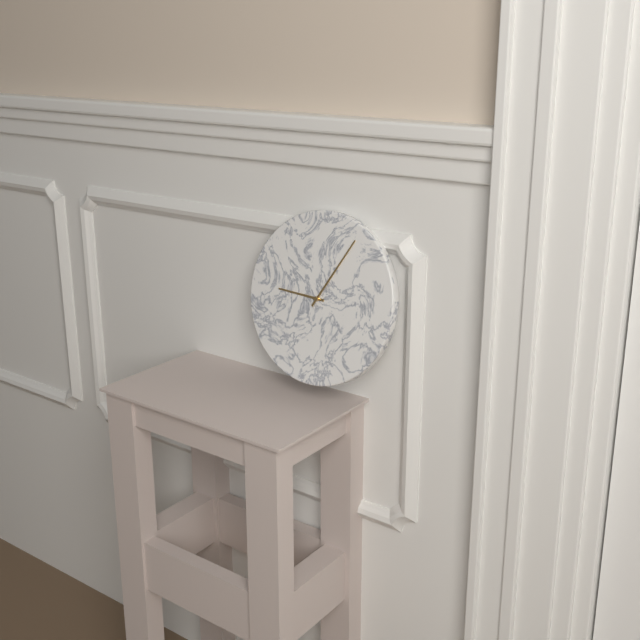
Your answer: **9:05**
